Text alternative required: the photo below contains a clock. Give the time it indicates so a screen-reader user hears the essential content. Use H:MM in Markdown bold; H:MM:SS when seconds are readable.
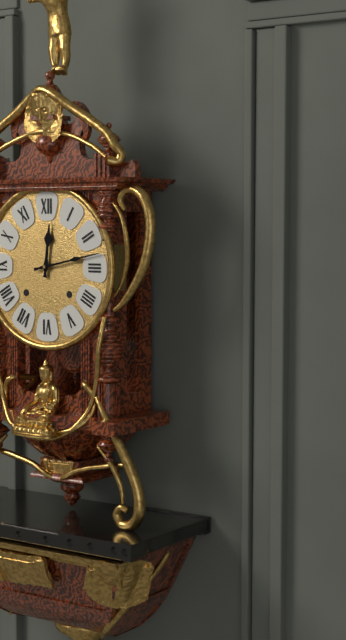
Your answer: **12:13**
